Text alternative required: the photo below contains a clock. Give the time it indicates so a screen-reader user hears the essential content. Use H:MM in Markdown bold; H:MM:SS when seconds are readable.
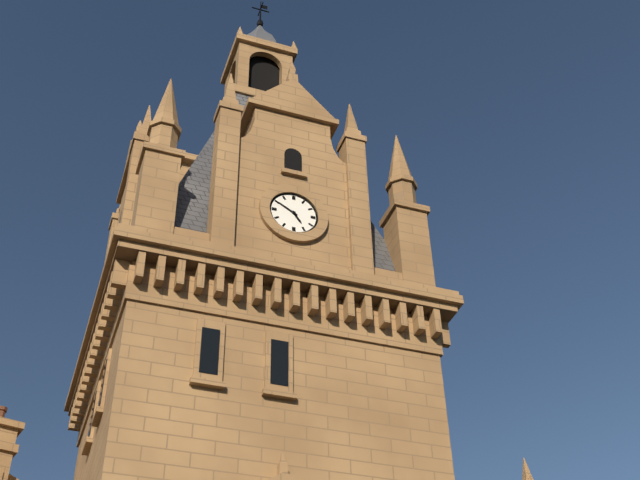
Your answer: **4:50**
